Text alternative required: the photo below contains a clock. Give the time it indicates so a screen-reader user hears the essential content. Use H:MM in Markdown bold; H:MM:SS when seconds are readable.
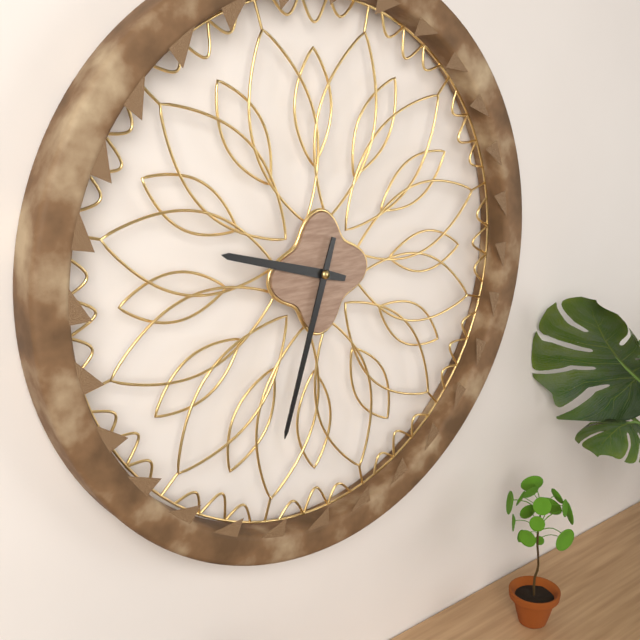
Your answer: **9:33**
